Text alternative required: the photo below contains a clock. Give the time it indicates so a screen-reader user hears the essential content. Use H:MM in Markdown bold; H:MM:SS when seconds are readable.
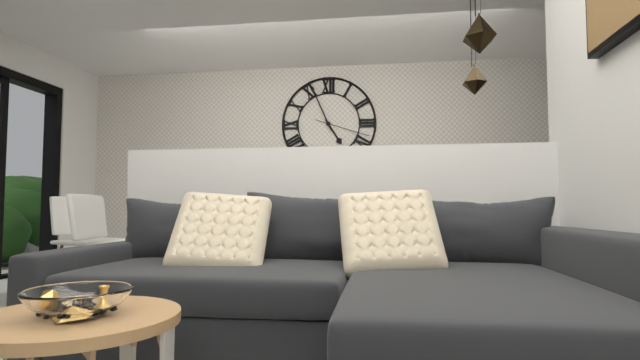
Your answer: **4:56:18**
